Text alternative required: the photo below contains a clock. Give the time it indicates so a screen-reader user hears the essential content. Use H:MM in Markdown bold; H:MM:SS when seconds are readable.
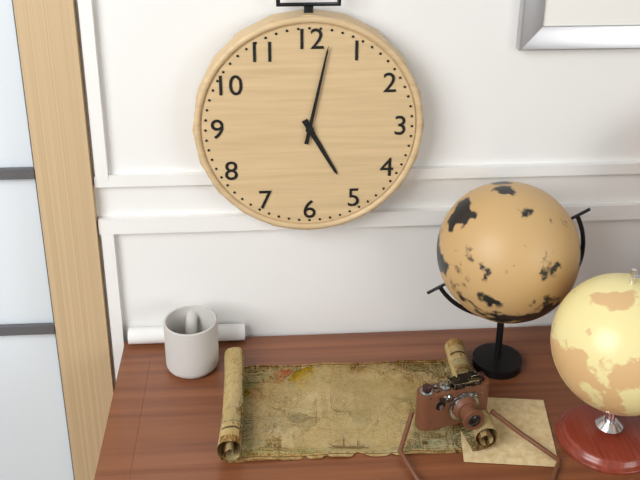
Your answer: **5:02**
